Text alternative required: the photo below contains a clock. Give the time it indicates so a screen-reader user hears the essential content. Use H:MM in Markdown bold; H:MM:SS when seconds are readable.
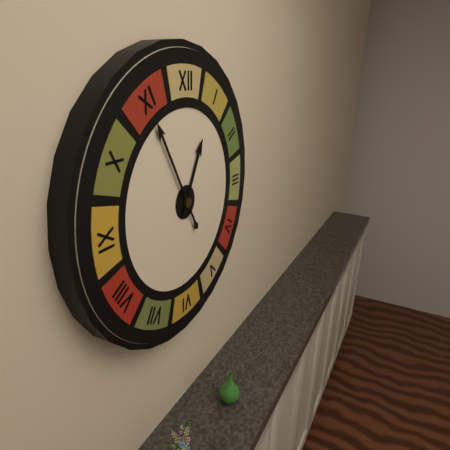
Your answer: **12:55**
